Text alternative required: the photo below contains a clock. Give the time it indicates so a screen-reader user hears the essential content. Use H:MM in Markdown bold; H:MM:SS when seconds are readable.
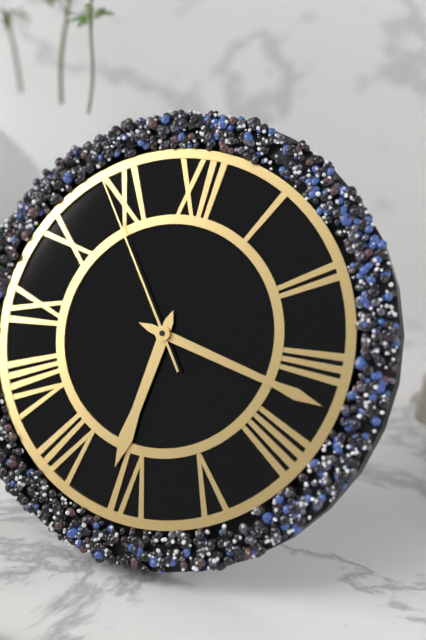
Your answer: **6:17:54**
